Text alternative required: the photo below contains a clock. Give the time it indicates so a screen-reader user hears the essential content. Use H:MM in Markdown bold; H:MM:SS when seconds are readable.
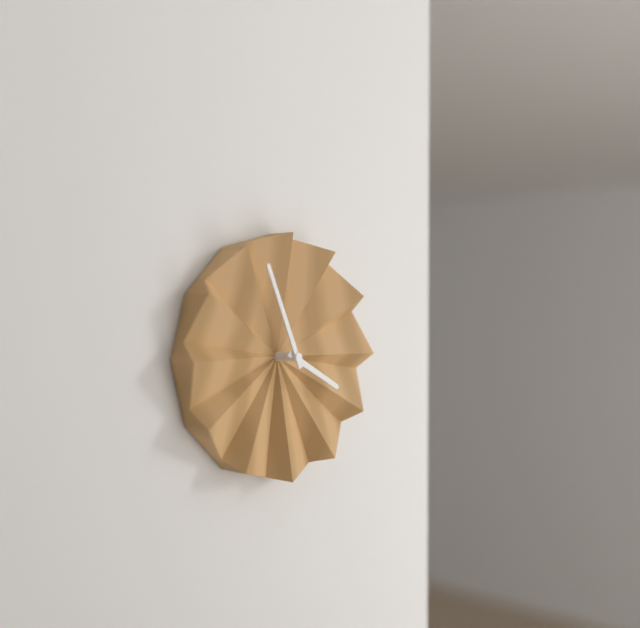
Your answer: **3:56**
